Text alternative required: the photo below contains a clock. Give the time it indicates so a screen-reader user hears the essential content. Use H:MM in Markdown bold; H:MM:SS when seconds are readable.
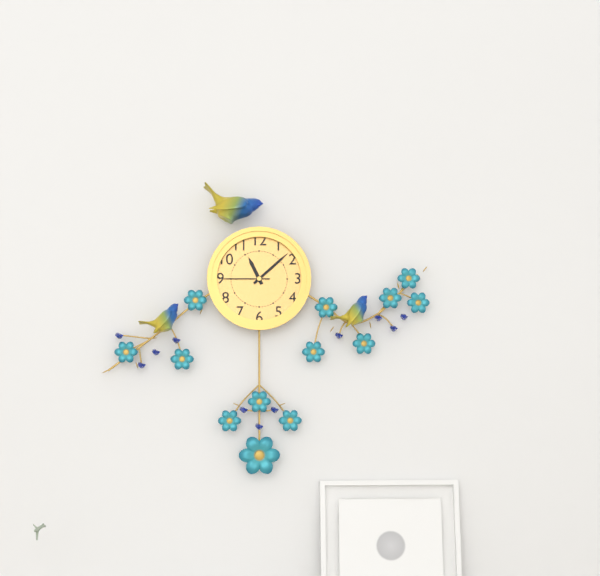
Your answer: **11:08:45**
